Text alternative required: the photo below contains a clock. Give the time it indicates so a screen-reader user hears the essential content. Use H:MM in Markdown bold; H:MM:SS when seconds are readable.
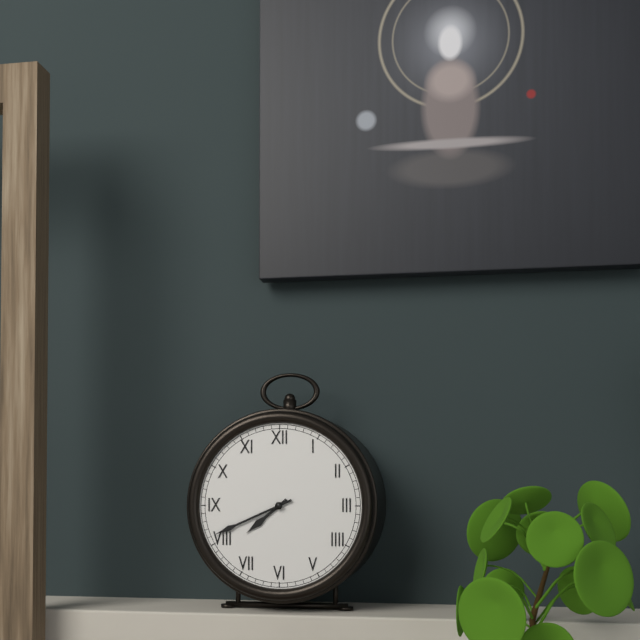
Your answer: **7:41**
